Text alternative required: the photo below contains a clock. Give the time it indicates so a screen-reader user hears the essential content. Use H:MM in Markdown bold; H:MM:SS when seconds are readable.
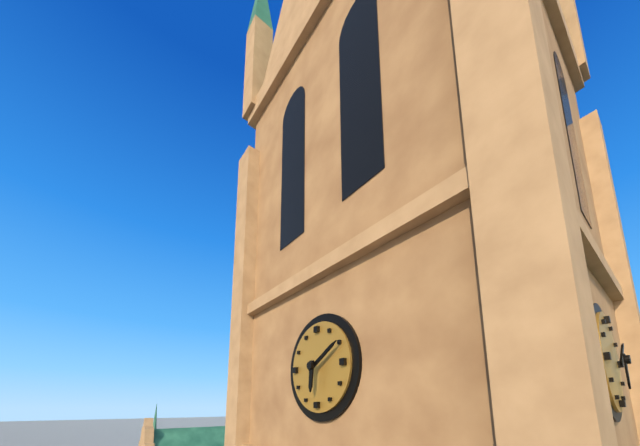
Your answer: **6:10**
